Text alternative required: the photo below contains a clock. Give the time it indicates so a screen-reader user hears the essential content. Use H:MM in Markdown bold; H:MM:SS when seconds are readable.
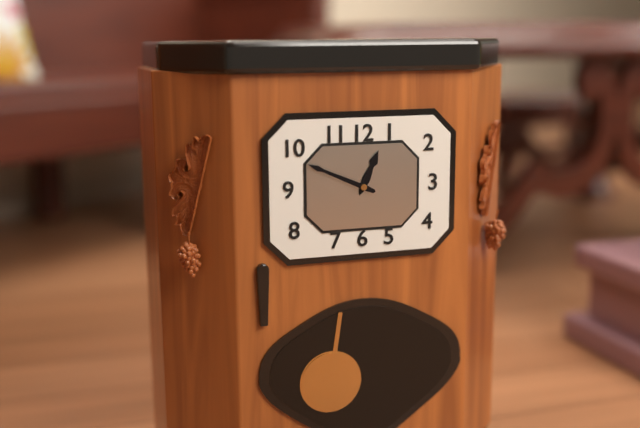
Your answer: **12:49**
